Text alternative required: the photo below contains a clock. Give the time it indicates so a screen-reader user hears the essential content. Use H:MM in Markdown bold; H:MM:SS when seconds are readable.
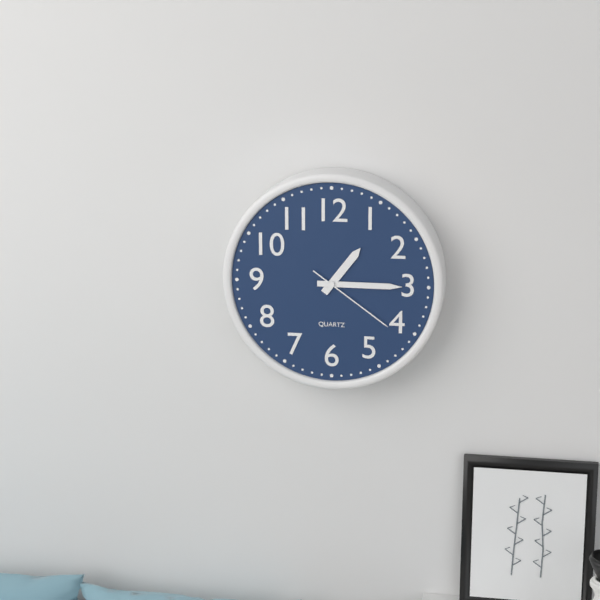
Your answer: **1:15:21**
